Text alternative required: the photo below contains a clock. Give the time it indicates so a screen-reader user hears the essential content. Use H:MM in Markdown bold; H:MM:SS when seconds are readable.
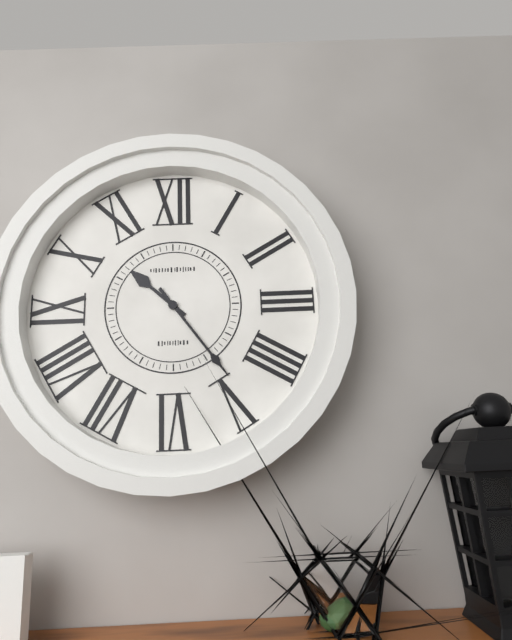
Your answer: **10:24**
